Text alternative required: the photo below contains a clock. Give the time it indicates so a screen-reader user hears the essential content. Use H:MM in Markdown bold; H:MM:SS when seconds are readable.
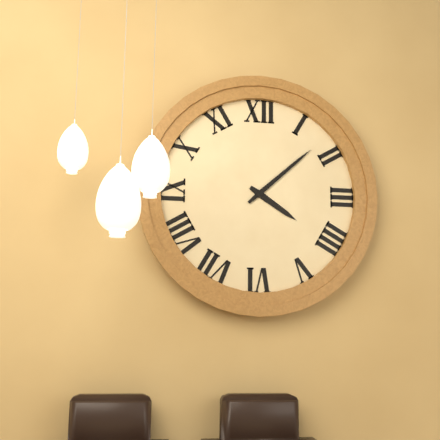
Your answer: **4:08**
